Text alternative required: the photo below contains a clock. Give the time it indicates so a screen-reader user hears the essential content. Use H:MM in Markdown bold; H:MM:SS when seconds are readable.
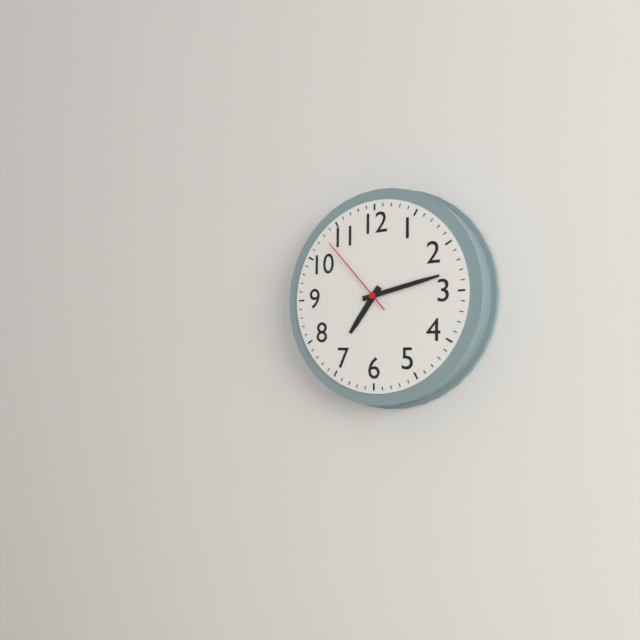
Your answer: **7:13:53**
